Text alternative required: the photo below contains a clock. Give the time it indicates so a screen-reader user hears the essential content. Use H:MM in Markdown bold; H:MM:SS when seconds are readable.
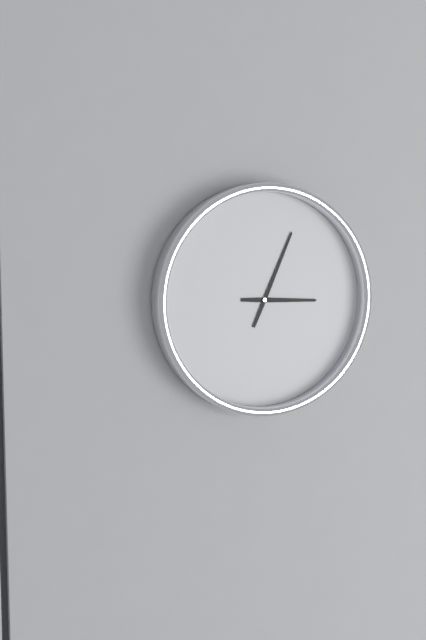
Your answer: **3:04**
